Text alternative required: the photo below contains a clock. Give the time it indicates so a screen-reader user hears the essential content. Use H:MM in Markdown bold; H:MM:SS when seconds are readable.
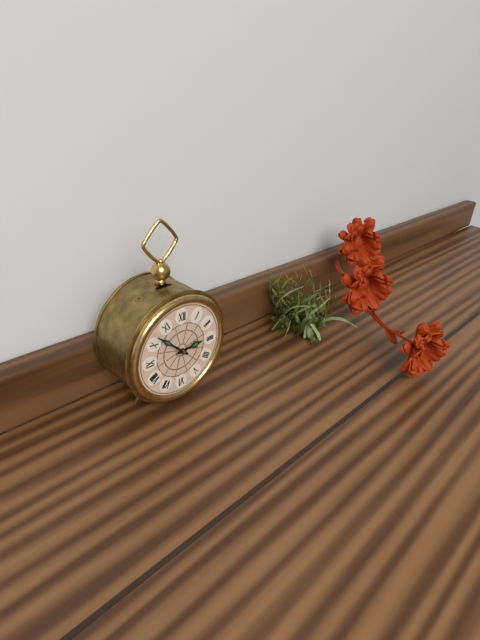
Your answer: **2:52**
